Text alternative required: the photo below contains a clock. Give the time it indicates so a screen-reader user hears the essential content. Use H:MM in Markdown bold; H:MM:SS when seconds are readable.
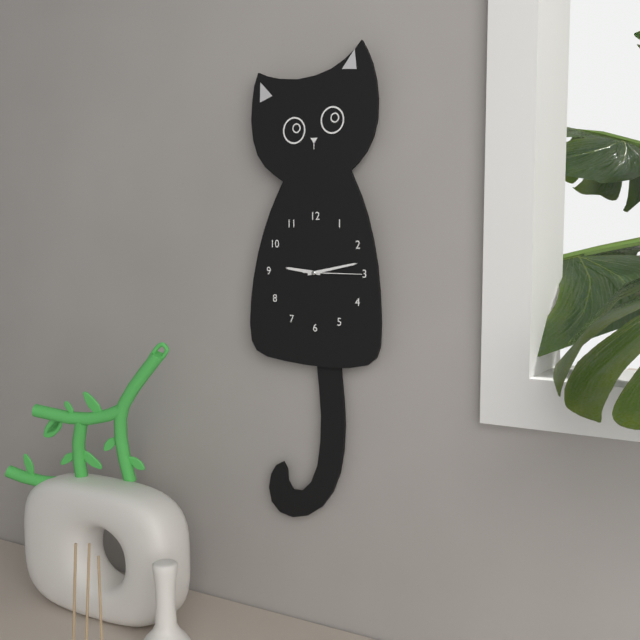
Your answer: **9:13:15**
